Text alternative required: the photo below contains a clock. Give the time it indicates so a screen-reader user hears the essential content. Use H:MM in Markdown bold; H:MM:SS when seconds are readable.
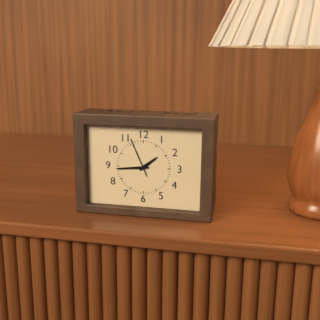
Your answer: **1:44**
